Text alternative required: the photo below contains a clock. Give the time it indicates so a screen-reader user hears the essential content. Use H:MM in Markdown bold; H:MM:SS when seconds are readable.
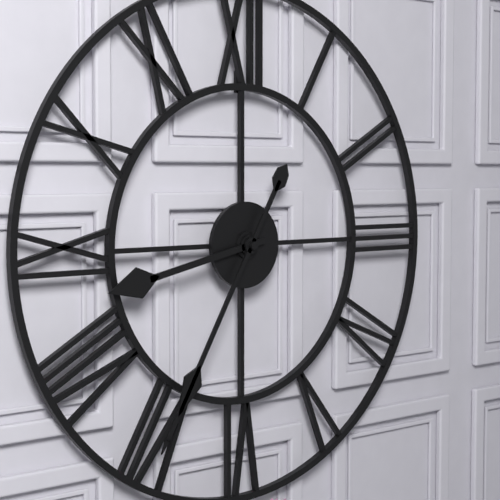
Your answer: **8:35**
